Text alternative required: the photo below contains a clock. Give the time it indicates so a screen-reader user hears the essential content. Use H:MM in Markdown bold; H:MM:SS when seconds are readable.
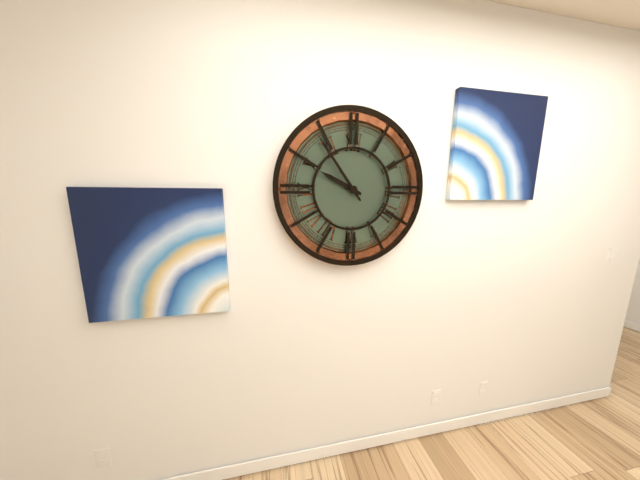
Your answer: **9:54**
